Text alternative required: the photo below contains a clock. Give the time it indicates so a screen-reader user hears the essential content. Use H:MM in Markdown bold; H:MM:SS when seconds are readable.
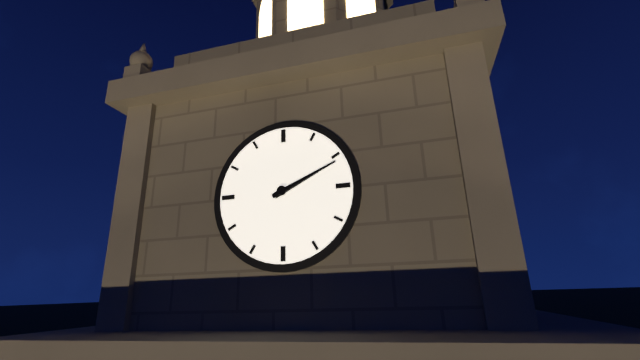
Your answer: **2:11**
